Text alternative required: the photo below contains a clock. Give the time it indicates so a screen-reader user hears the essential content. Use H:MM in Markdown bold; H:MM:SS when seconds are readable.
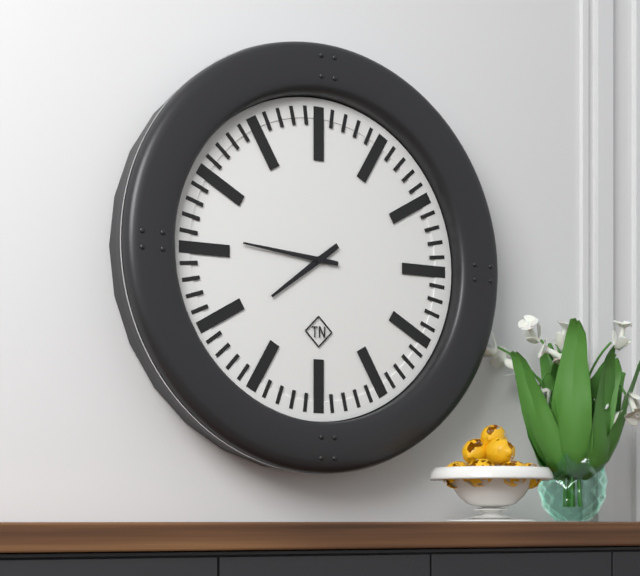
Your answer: **7:46**
